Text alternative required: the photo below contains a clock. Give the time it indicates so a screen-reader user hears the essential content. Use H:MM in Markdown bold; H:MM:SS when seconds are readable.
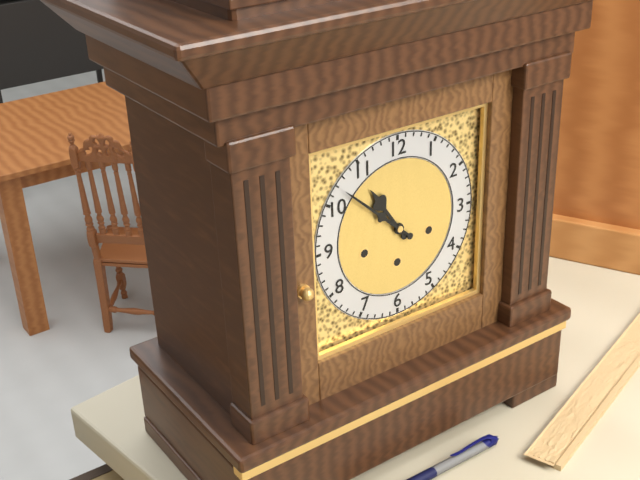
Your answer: **10:52**
